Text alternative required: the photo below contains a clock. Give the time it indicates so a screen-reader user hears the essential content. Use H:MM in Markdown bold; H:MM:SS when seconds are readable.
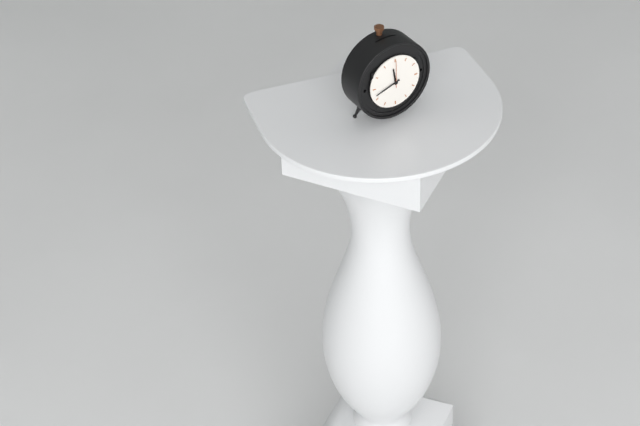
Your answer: **11:42**
